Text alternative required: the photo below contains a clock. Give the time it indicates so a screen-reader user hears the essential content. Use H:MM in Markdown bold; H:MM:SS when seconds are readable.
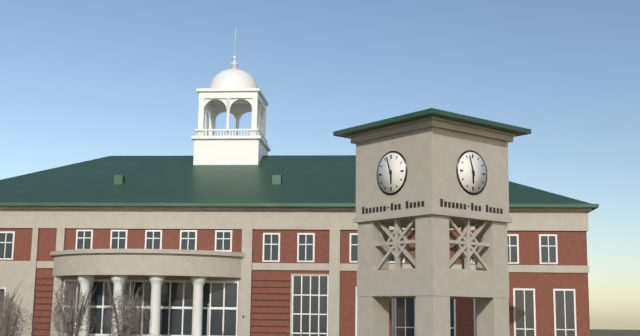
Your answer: **5:57**
